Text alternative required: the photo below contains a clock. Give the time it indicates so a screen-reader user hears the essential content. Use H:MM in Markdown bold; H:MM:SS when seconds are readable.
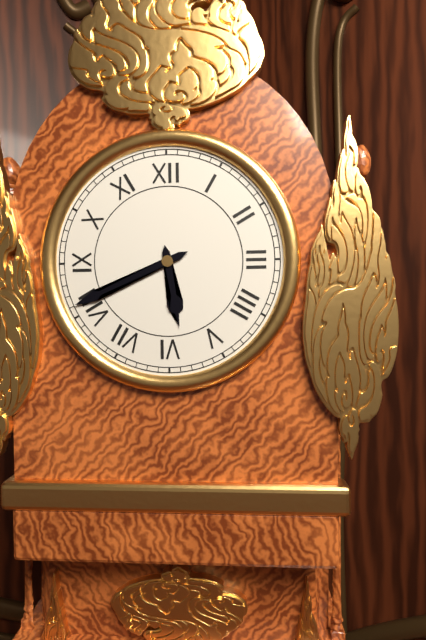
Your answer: **5:41**
